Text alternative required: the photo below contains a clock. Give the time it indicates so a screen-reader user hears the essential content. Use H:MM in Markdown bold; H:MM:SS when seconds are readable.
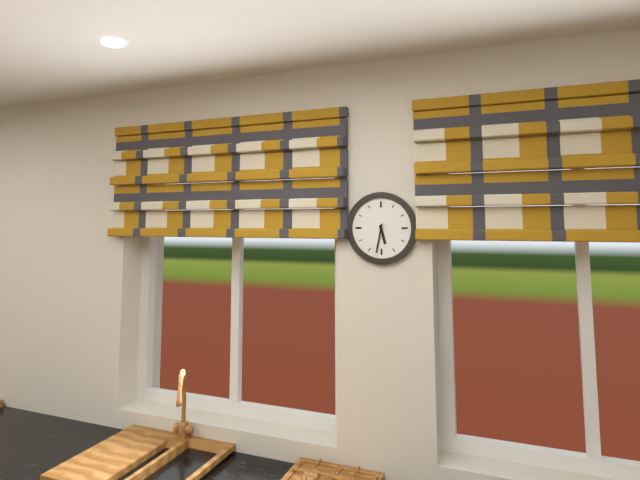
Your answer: **5:32**
